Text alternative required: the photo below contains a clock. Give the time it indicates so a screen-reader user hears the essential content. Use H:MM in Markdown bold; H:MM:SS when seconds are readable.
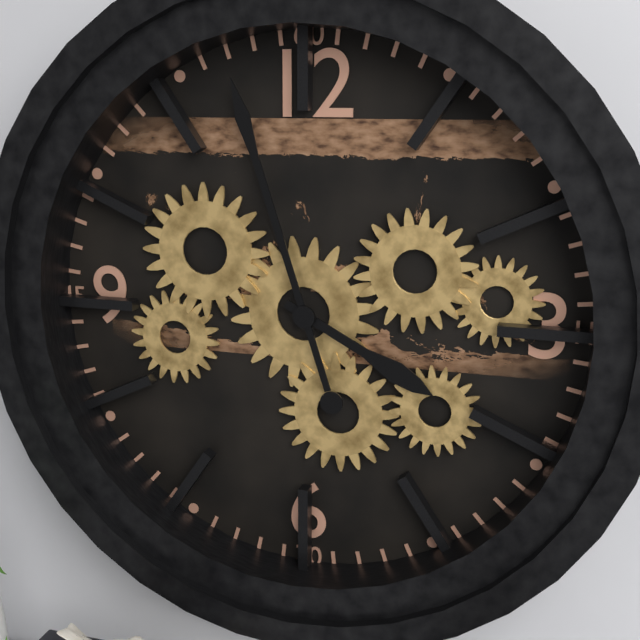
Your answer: **3:57**
